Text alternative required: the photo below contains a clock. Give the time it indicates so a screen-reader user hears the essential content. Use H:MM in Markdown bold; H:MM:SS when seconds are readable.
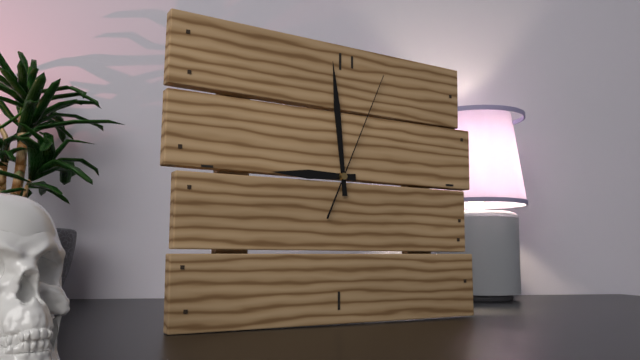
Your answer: **8:59:04**
